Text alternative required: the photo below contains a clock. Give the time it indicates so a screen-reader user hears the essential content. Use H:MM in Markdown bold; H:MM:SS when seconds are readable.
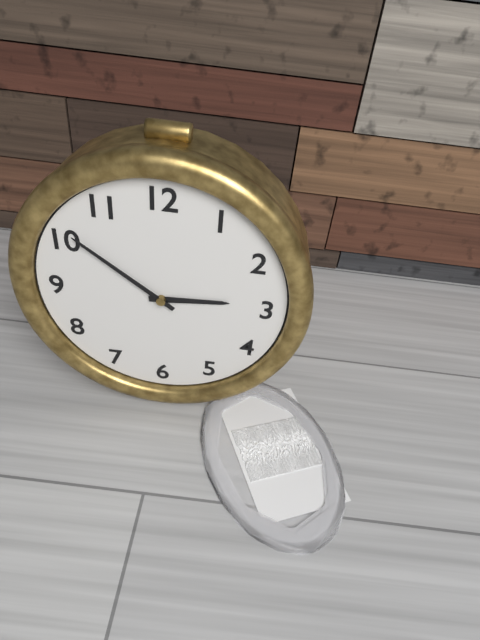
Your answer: **2:51**
